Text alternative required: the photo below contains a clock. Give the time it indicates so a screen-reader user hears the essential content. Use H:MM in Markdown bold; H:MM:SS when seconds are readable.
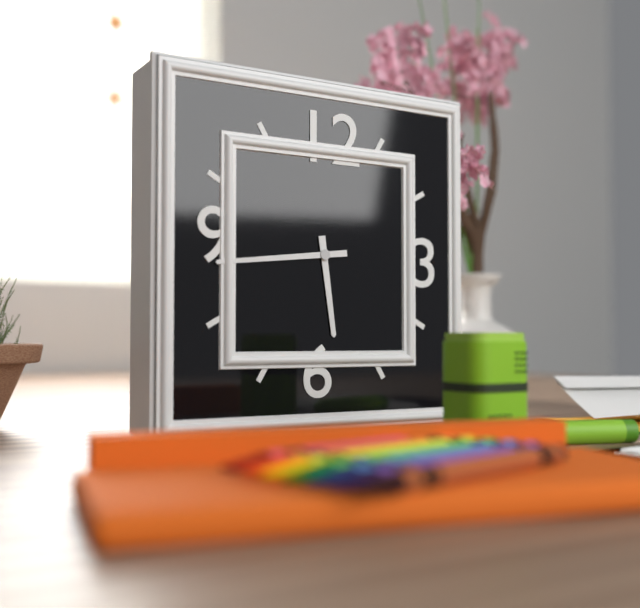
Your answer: **5:44**
